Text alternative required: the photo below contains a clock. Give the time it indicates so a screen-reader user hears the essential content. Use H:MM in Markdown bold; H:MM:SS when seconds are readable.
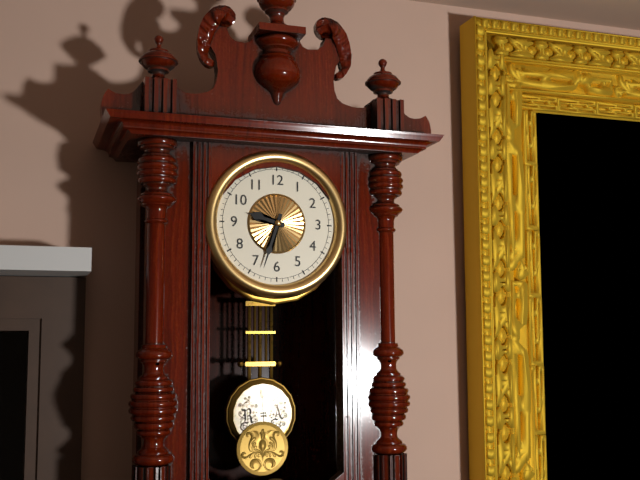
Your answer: **9:33**
